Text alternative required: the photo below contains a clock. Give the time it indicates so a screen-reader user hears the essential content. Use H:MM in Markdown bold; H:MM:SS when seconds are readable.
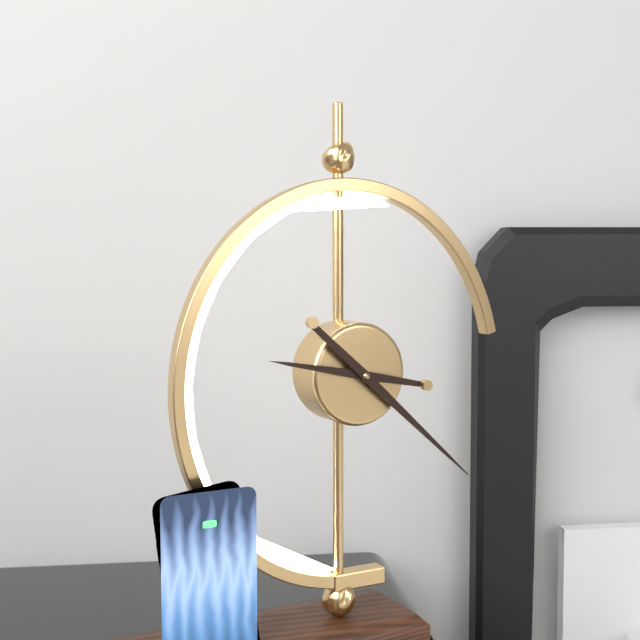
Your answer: **9:22**
